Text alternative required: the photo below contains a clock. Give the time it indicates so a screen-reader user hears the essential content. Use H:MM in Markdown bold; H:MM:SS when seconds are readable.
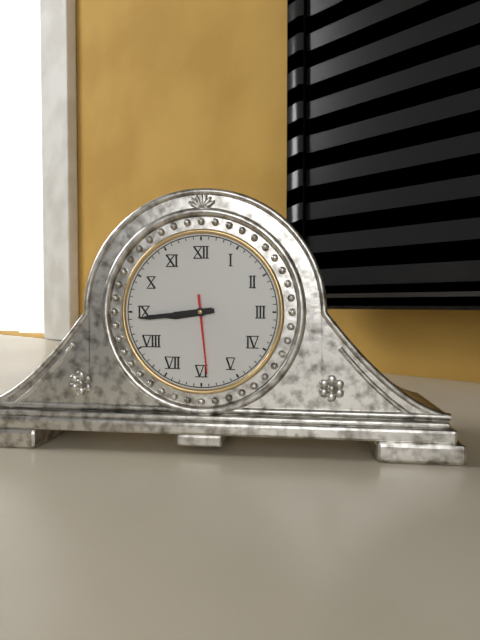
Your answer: **8:44:29**
